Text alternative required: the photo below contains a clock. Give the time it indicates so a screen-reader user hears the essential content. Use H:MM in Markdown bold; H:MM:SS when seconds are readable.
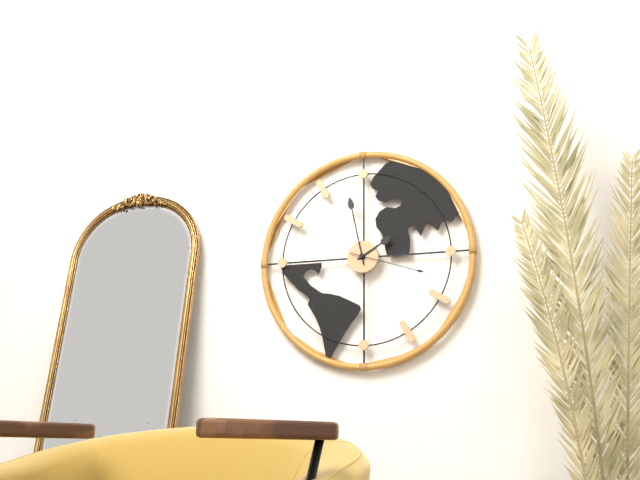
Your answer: **1:58:18**
